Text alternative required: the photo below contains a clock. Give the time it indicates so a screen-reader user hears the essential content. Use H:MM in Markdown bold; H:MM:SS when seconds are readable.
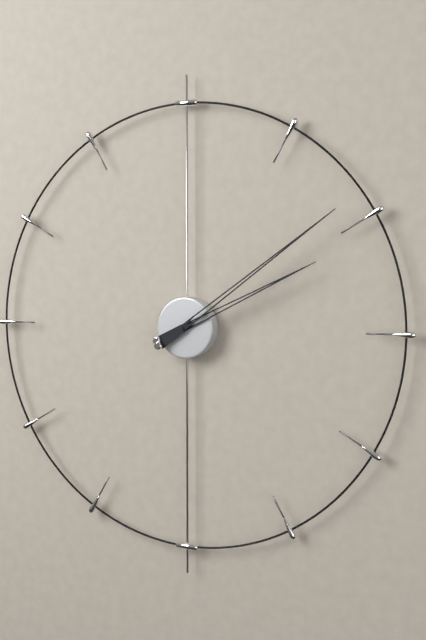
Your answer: **2:09**
